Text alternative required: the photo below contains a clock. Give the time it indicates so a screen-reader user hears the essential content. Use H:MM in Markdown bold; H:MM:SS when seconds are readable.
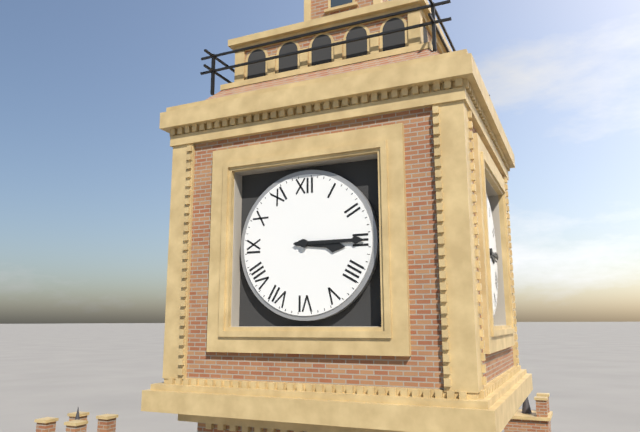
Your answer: **3:15**
